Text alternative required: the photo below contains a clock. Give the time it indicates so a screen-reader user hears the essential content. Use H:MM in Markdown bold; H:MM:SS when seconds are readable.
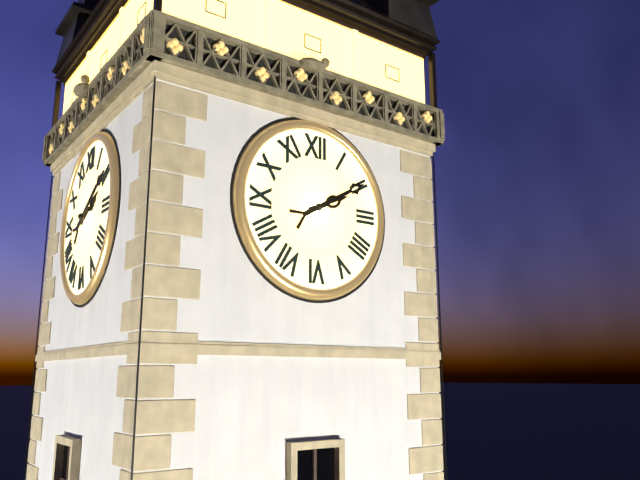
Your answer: **2:10**
